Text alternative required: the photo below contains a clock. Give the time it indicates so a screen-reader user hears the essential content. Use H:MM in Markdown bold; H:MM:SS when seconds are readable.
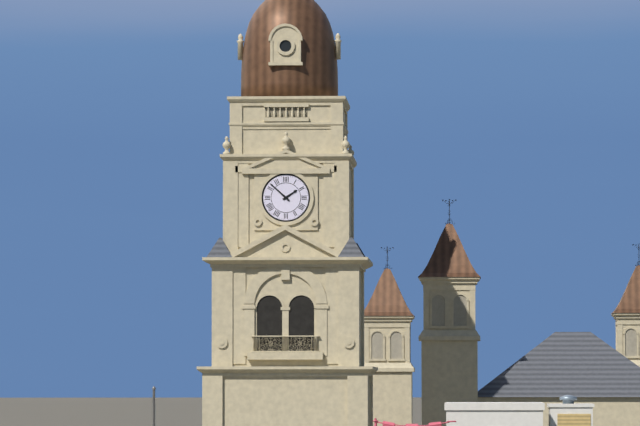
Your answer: **1:52**
